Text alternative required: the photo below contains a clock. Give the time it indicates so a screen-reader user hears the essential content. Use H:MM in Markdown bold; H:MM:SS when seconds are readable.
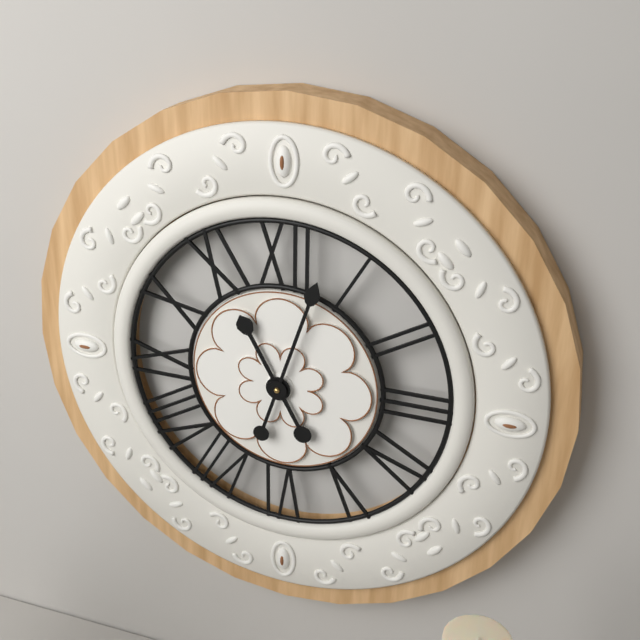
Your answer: **11:03**
